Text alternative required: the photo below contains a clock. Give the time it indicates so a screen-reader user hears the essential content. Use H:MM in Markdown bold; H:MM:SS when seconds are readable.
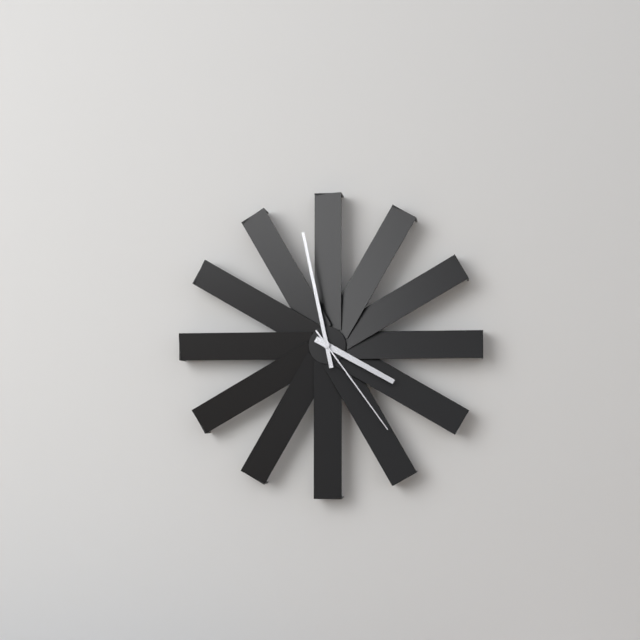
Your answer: **3:58:24**
